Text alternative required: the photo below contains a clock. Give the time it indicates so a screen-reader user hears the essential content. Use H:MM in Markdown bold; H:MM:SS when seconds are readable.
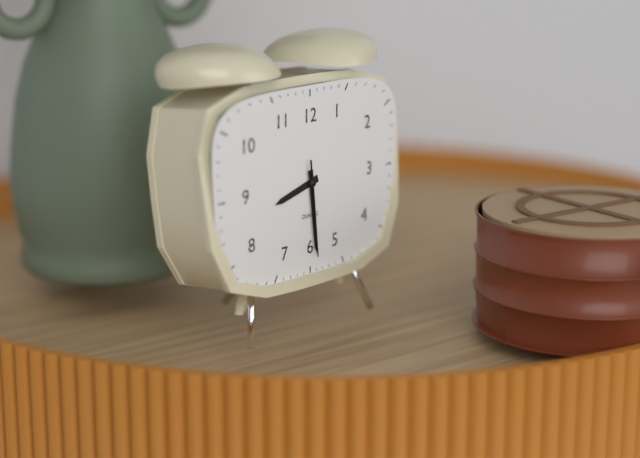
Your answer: **8:29:29**
